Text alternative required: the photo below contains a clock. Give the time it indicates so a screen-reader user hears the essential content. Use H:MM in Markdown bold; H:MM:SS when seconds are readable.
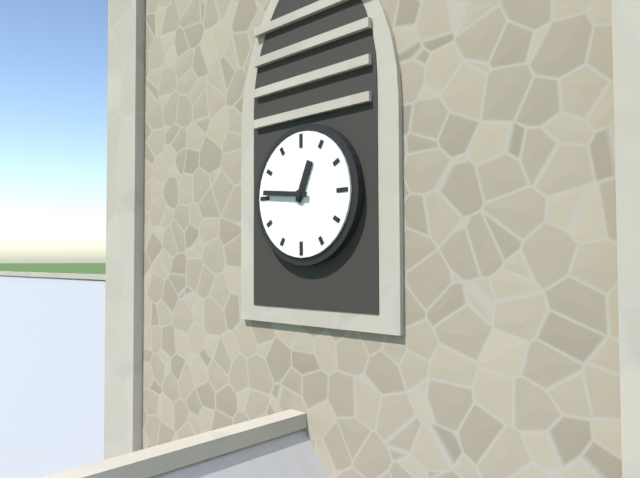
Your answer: **12:46**
